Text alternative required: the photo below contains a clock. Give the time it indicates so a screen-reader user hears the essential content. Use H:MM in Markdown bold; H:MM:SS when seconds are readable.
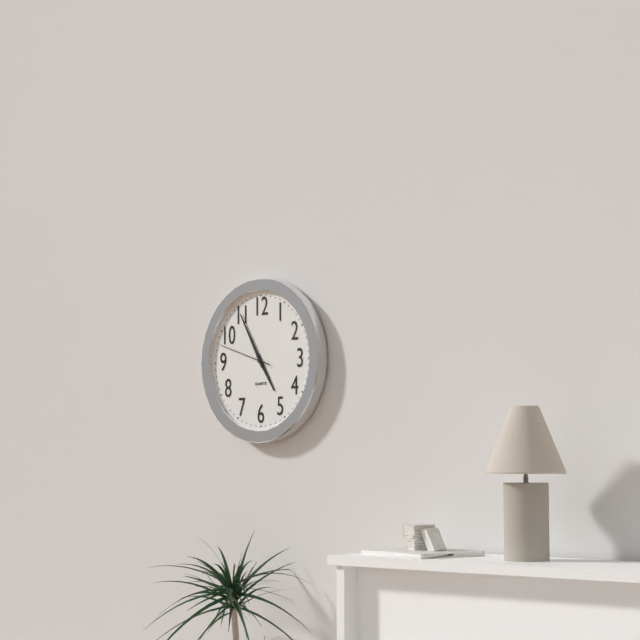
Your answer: **4:55:48**
